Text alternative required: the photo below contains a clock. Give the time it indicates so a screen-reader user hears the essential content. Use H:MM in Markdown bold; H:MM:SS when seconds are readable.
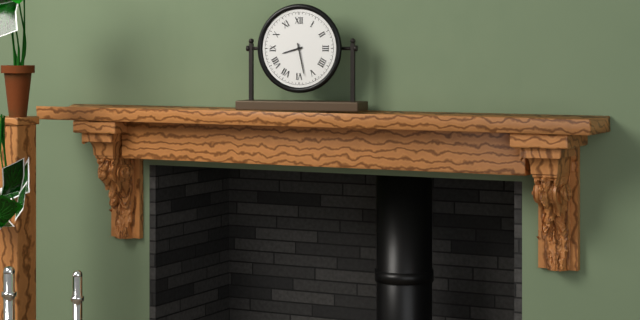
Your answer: **8:28**
